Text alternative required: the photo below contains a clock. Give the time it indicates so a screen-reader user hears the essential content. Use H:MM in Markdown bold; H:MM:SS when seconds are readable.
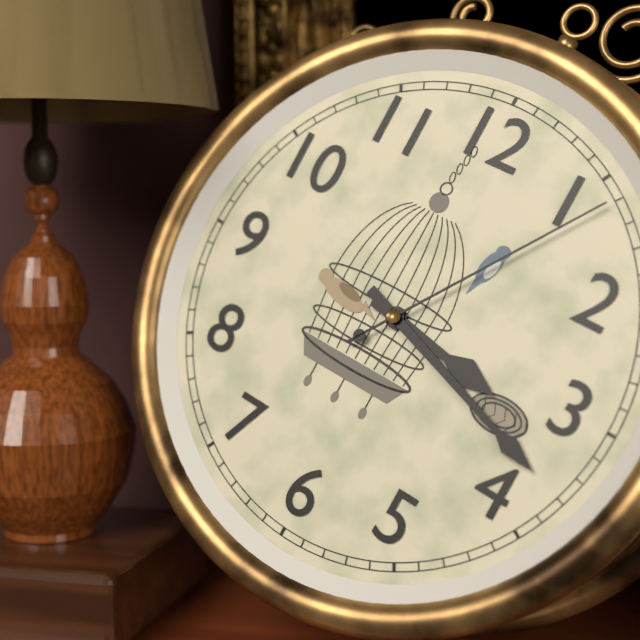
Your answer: **3:18:06**
